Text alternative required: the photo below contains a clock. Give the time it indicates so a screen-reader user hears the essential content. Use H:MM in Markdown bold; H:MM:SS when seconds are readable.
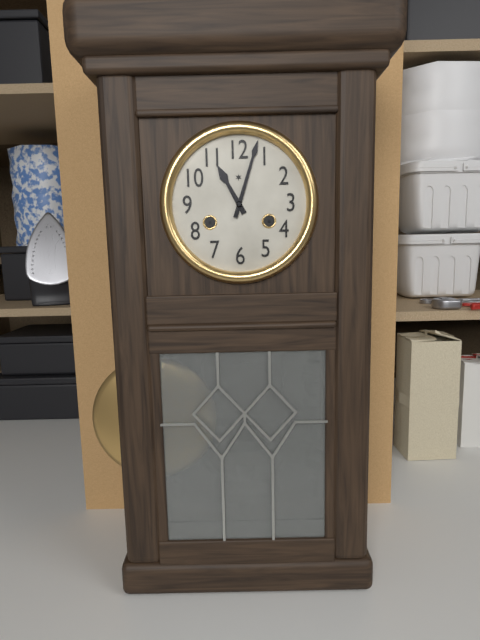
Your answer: **11:03**
